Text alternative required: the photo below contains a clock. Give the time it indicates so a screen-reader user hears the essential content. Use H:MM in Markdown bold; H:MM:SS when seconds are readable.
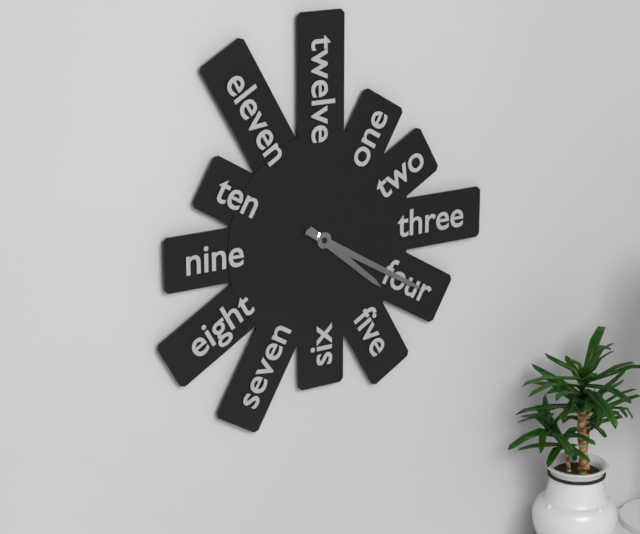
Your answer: **4:20**
